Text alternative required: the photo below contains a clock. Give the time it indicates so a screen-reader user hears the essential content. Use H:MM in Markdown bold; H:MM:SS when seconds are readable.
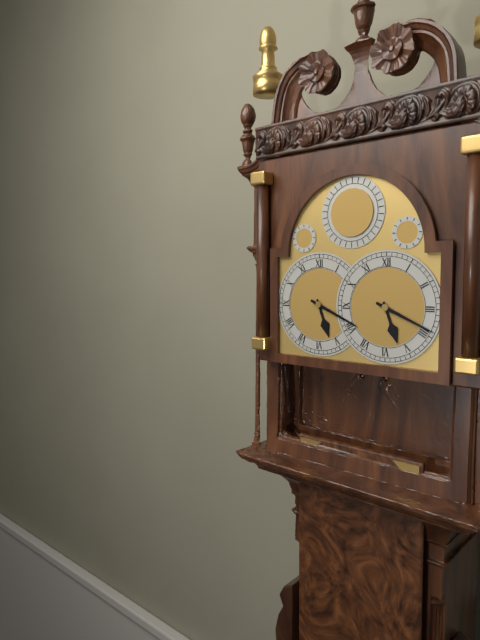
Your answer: **5:19**
